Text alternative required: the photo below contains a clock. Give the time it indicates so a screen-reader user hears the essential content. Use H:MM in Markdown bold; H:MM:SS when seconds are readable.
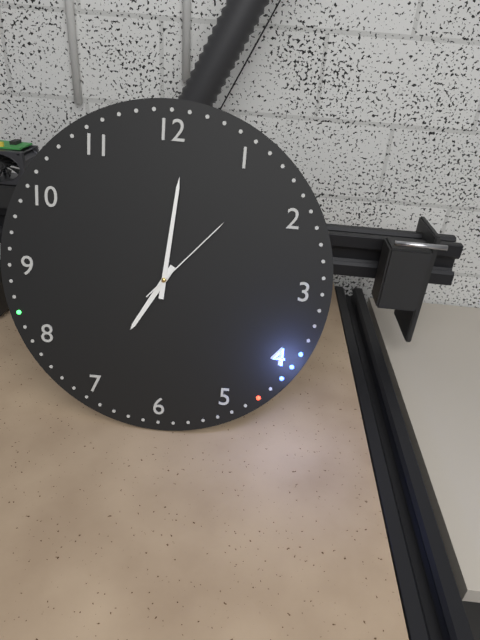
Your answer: **7:01:07**
